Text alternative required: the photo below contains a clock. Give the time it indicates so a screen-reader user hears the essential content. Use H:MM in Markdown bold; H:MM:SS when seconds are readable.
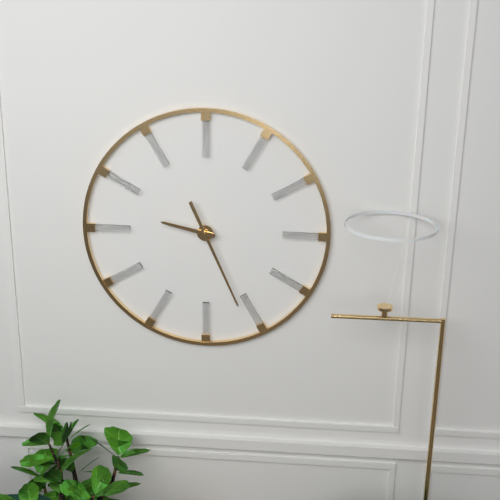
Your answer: **9:26**
